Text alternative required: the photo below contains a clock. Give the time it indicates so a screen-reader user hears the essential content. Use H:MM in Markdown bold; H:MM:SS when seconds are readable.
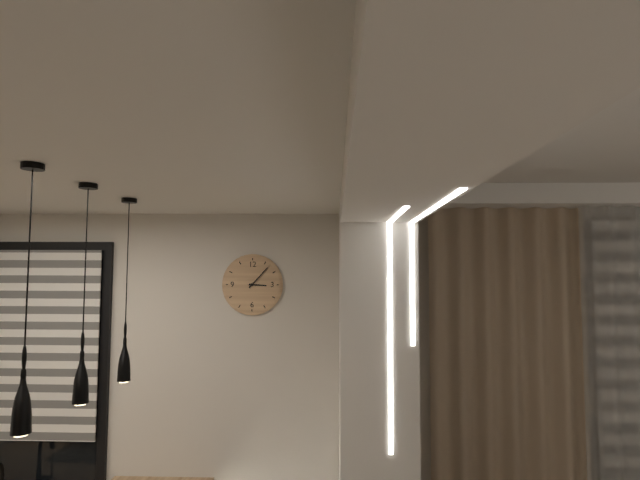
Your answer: **3:07**
